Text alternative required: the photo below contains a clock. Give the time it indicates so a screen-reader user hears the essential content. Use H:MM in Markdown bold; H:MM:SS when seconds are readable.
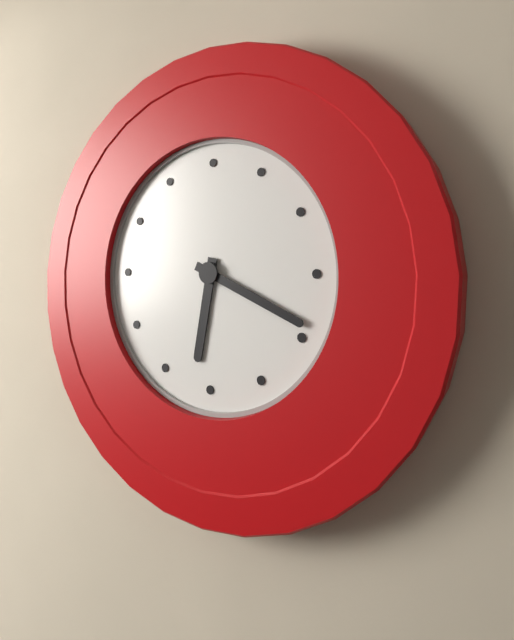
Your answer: **6:19**
